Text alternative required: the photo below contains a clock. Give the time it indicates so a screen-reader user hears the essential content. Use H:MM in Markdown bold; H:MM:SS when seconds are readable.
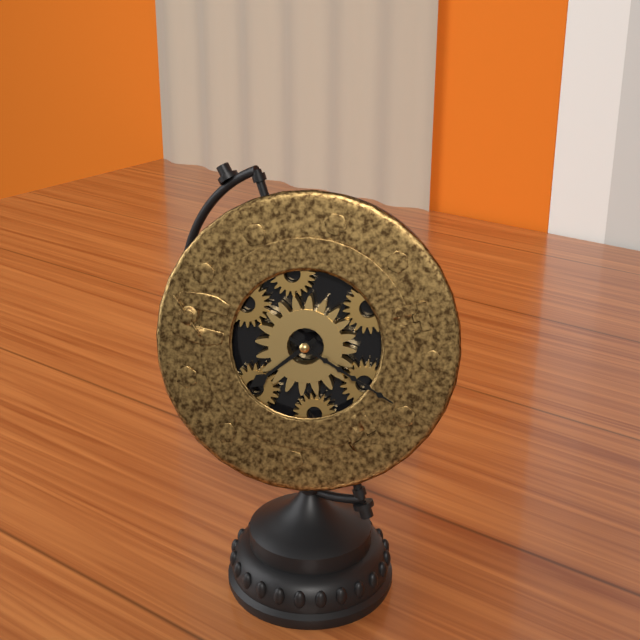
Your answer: **7:18**
